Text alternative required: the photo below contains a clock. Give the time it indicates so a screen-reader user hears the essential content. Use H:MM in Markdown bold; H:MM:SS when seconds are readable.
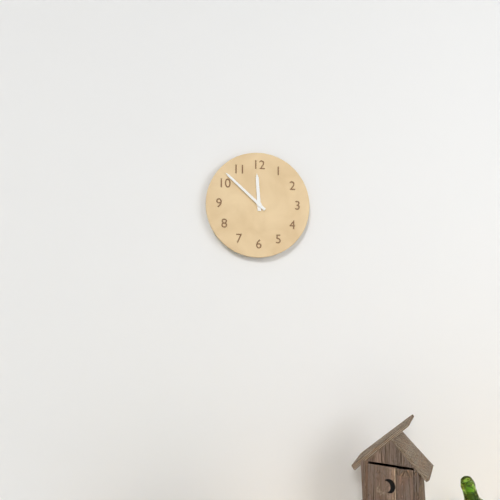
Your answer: **11:52**
